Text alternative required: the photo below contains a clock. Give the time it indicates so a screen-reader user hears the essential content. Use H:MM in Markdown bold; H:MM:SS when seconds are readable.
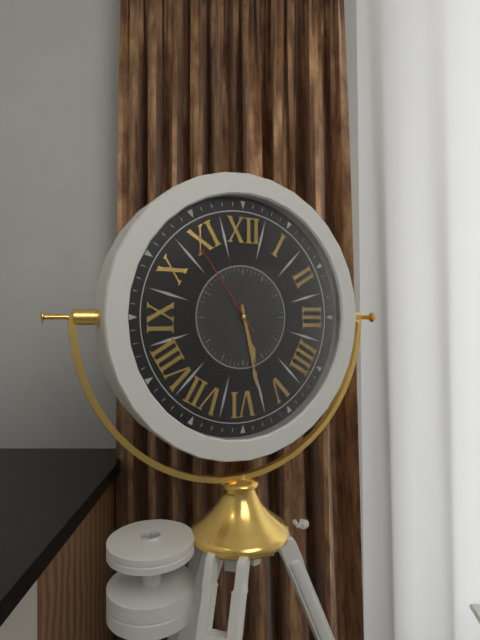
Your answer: **5:28:54**
